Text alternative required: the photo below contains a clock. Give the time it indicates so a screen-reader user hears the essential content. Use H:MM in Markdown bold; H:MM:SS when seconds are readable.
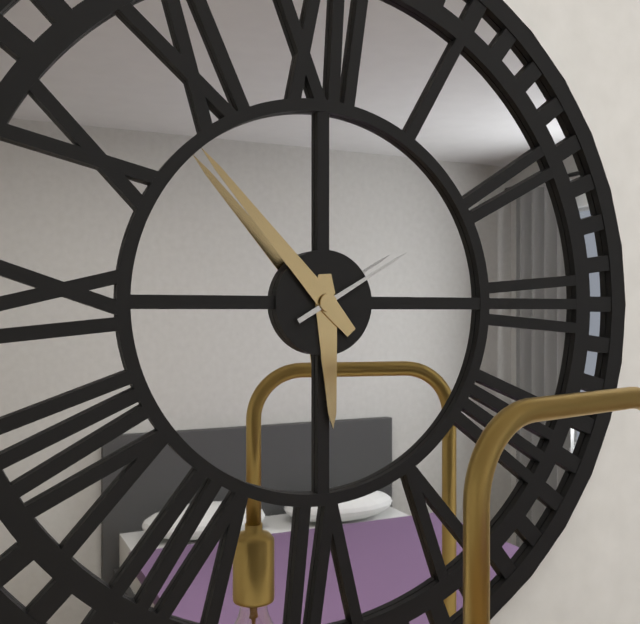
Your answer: **5:53:10**
